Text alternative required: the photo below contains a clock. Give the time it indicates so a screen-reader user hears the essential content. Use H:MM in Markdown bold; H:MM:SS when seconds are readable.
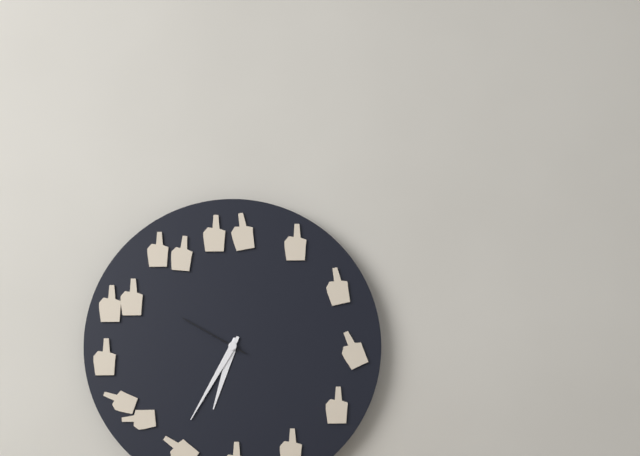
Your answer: **6:35:50**
